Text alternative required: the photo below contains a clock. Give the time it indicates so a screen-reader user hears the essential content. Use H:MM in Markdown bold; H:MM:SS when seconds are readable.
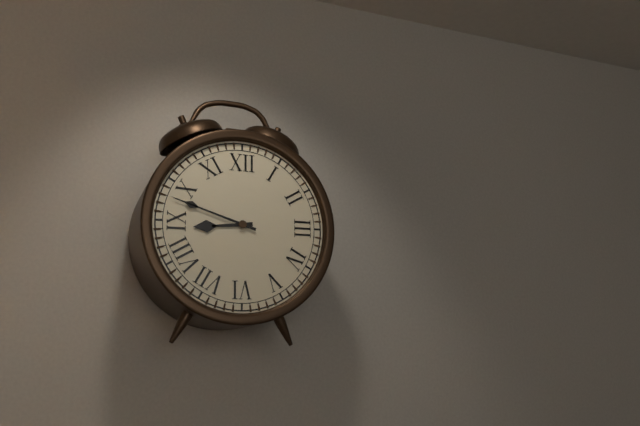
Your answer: **8:48**
